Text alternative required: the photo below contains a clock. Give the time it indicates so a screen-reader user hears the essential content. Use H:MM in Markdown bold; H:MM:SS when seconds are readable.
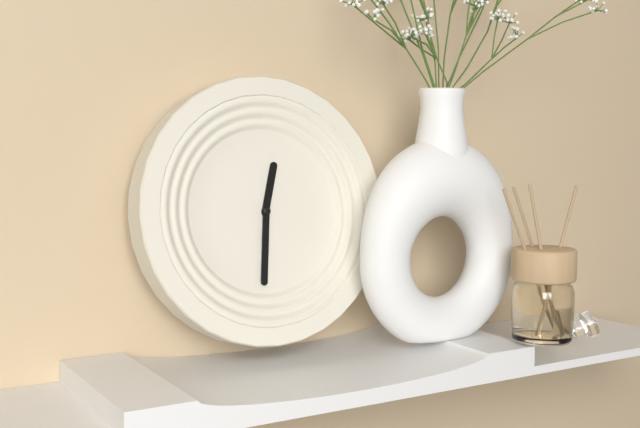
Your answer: **12:31**
